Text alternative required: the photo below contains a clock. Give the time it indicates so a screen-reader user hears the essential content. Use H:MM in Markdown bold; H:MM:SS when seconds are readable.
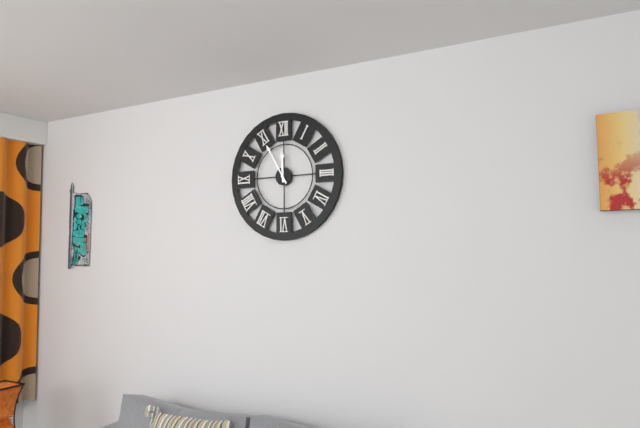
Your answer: **11:55**
